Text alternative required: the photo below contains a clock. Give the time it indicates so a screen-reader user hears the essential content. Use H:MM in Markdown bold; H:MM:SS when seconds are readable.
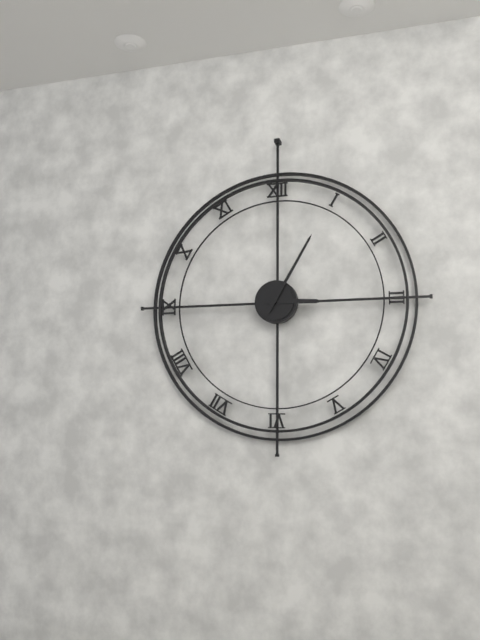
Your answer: **3:05**
